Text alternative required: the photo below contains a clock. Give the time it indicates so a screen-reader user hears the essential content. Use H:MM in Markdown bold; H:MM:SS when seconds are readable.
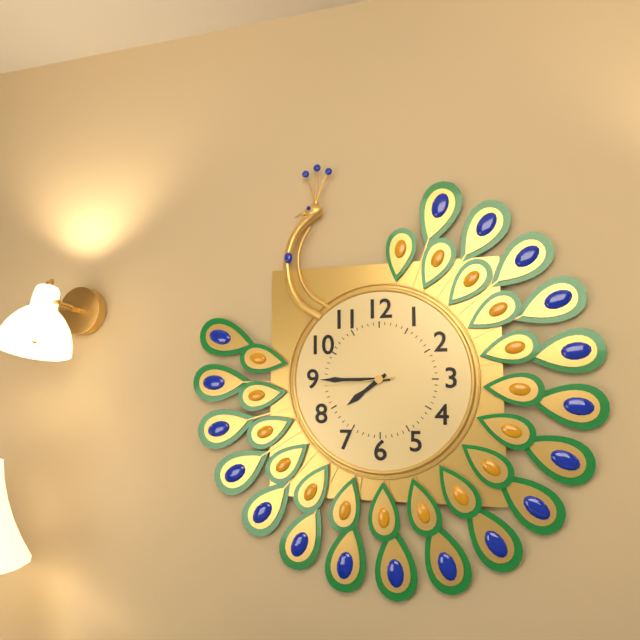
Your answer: **7:45:44**
